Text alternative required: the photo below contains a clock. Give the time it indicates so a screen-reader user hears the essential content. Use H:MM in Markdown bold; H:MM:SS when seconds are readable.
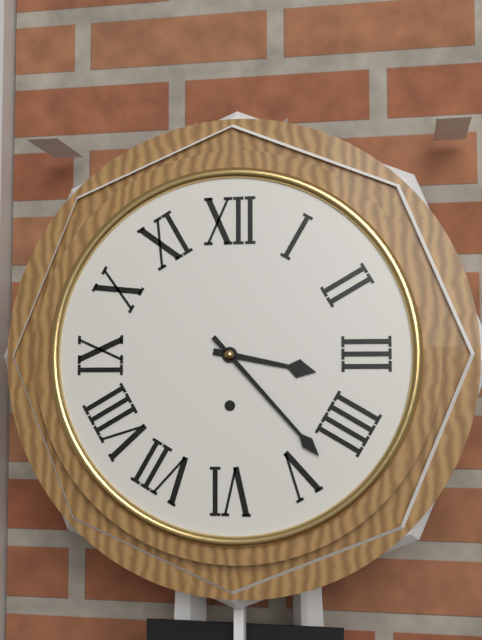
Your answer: **3:23**
